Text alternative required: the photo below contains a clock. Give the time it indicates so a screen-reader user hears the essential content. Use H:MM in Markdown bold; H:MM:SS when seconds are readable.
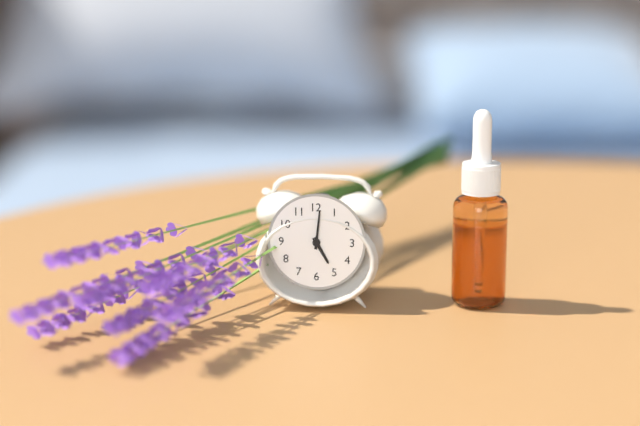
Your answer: **5:01**
